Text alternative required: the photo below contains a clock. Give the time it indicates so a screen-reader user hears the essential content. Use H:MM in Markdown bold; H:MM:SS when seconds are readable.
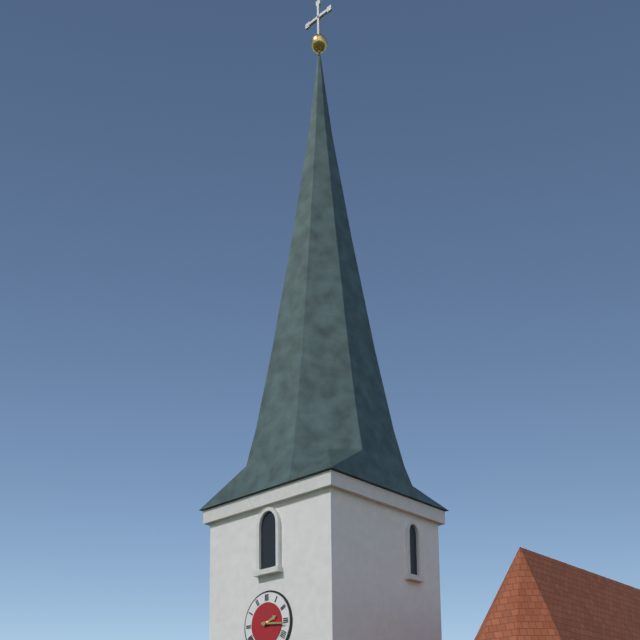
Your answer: **2:16**
